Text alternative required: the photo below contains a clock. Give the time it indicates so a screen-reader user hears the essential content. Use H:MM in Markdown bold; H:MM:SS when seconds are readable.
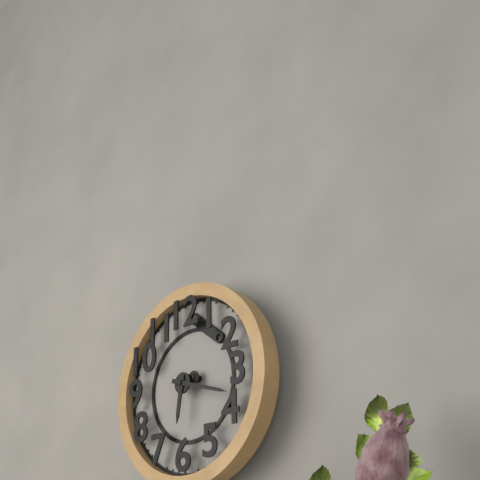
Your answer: **6:18**
